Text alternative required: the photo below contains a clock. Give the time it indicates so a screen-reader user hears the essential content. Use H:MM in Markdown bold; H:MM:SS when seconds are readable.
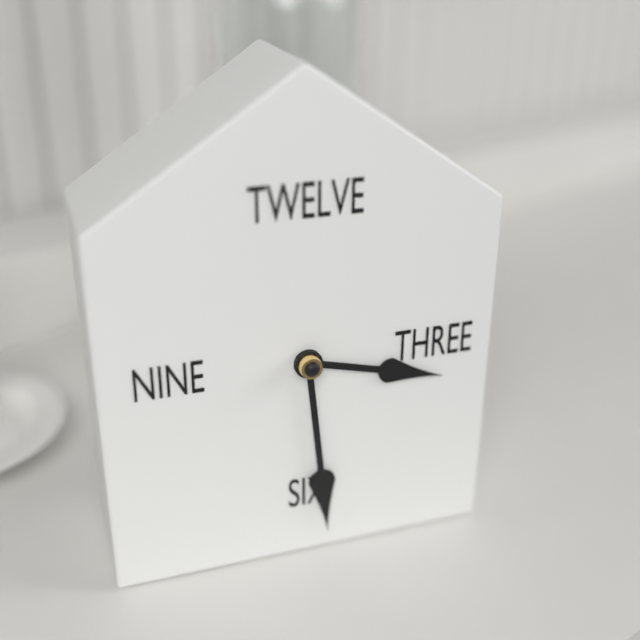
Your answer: **3:29**
